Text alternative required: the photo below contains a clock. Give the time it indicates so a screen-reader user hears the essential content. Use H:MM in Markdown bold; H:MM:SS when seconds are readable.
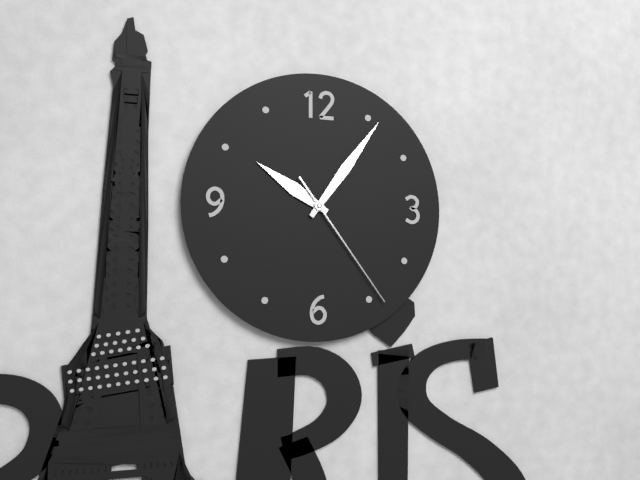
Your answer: **10:06:24**
